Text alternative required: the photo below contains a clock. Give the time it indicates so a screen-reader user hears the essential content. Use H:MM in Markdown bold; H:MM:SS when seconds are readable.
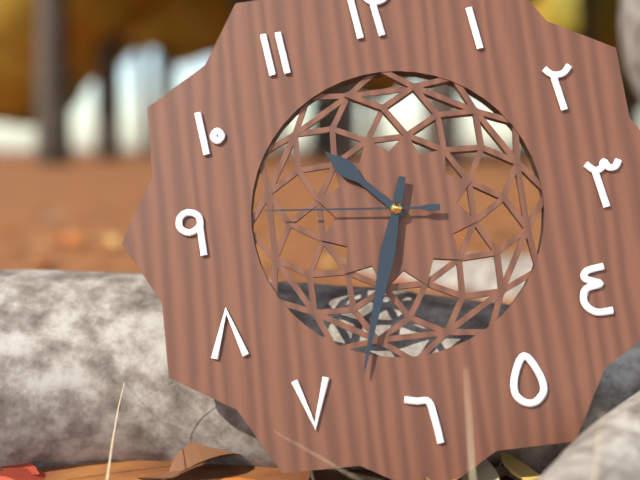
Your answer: **10:33:46**
